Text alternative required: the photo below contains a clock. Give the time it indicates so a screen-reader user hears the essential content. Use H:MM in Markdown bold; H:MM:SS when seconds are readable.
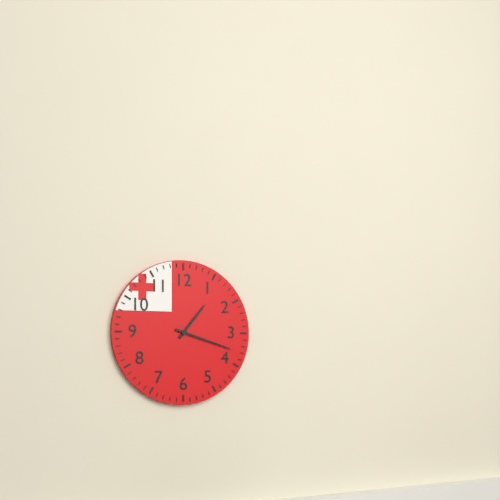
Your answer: **1:18**
